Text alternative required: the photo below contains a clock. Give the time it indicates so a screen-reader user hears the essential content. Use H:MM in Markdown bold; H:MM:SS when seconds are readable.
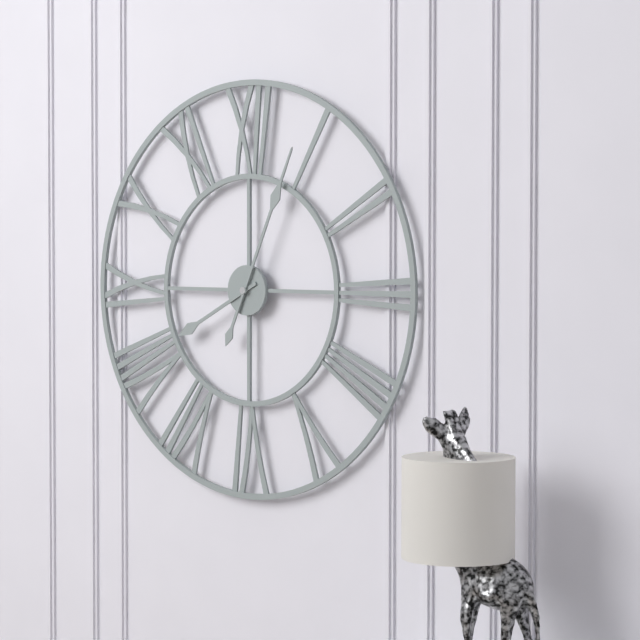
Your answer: **8:04**
